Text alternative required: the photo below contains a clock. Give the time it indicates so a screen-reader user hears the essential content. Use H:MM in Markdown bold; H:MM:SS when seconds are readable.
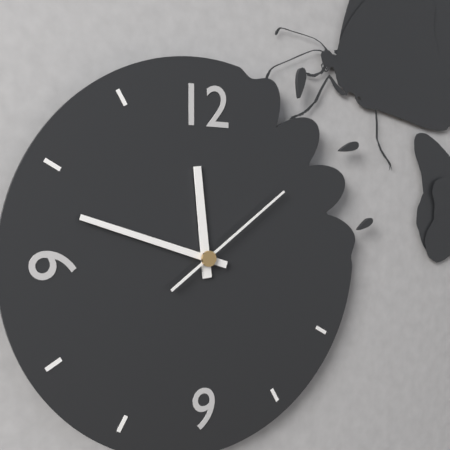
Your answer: **11:48:09**
